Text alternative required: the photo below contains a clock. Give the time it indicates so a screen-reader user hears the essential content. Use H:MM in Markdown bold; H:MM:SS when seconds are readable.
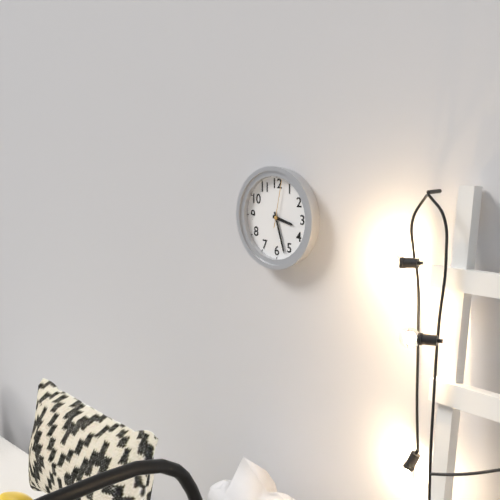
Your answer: **3:27**
